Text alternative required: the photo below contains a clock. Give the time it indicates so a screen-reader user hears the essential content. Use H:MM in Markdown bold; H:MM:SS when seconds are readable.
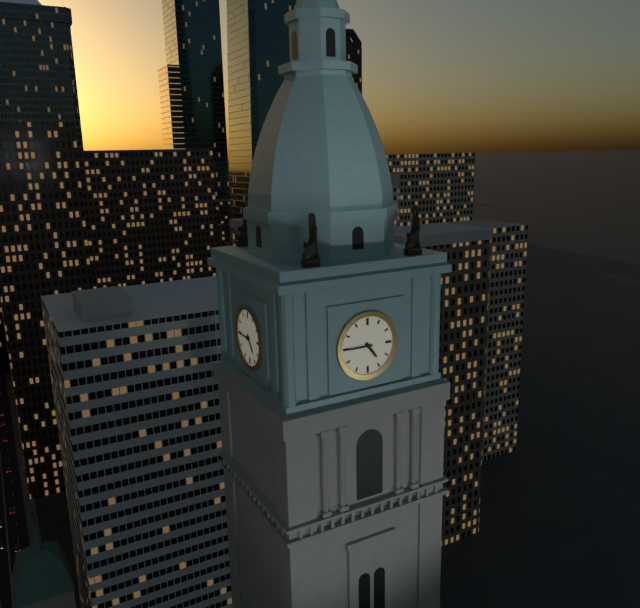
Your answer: **4:45**
